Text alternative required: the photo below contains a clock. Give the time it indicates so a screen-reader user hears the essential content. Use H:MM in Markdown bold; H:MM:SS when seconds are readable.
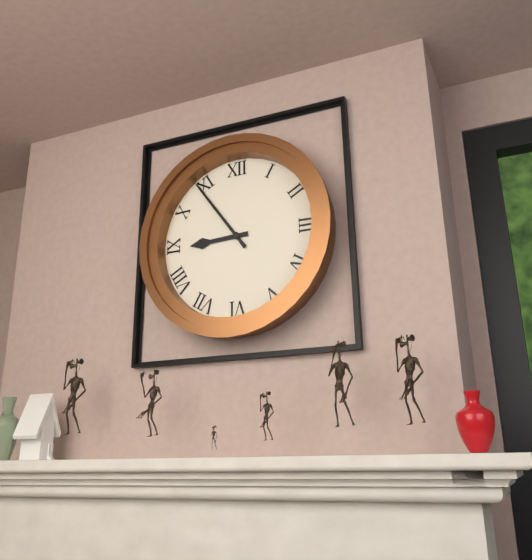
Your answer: **8:54**
